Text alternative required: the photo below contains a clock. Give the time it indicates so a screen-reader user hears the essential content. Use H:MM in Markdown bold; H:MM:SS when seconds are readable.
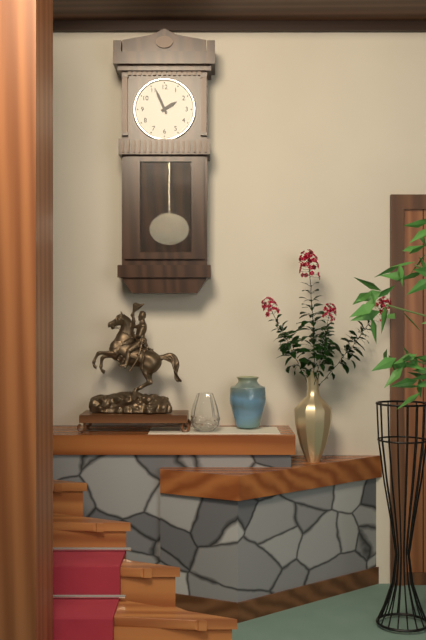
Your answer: **1:56**
